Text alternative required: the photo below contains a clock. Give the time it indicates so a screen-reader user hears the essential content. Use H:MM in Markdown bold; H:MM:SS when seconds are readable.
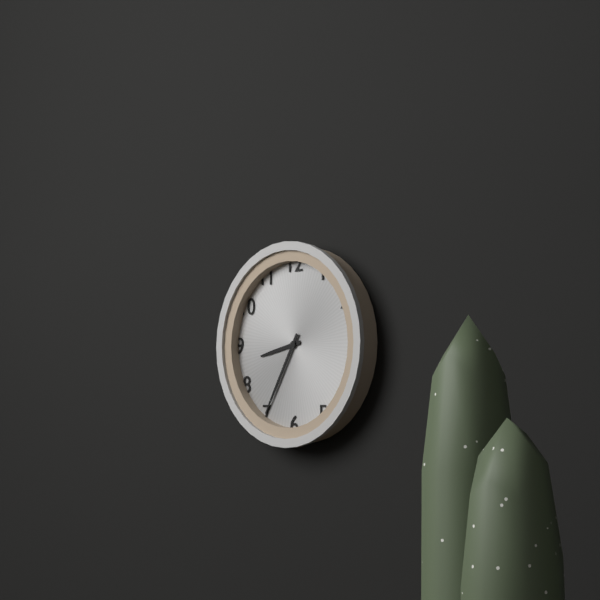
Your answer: **8:35**
